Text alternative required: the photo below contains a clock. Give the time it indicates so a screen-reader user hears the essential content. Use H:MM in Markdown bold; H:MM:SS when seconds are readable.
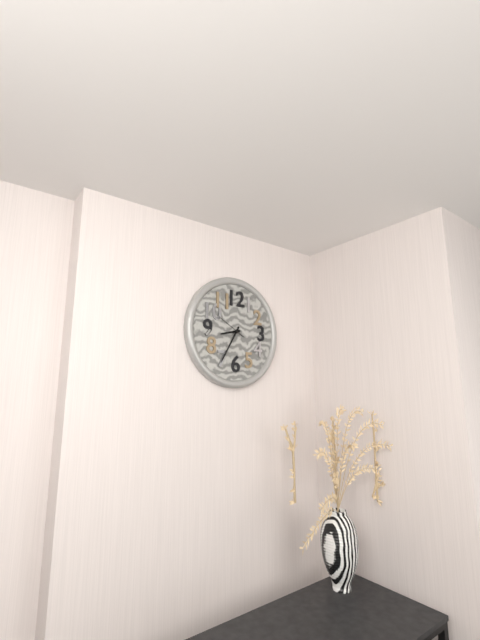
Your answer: **8:35**
